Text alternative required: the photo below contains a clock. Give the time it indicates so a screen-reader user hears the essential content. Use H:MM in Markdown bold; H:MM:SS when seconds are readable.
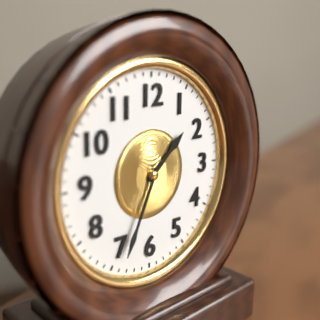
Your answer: **1:34**
